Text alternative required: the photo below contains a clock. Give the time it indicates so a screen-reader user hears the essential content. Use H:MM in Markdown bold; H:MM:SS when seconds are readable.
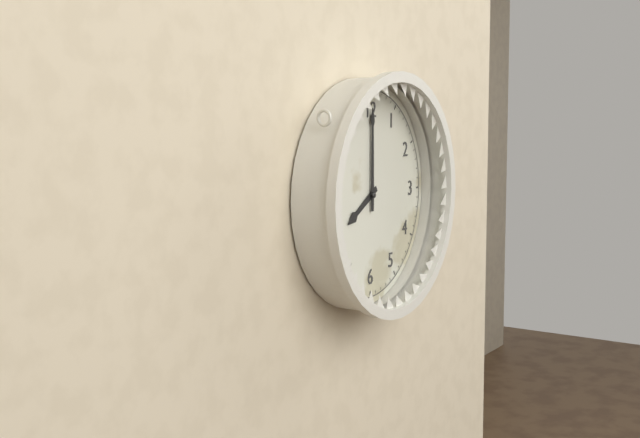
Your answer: **8:00**
